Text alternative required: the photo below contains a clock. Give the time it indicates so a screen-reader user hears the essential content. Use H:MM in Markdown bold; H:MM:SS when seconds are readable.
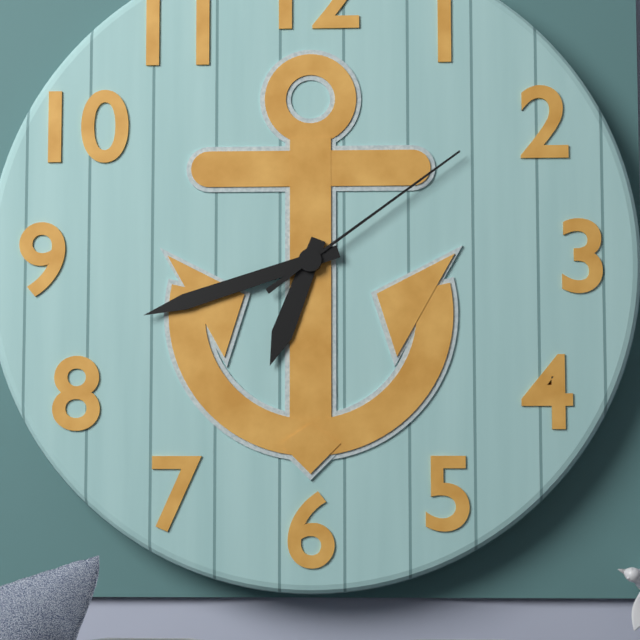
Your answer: **6:42:09**
